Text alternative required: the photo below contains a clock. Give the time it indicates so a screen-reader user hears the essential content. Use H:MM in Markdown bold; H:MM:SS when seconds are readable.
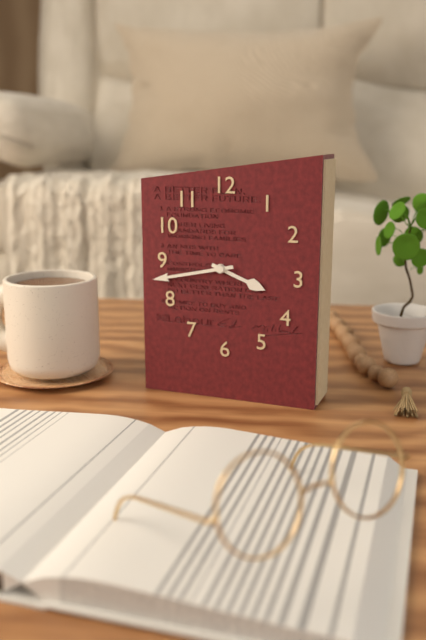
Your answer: **3:43**
